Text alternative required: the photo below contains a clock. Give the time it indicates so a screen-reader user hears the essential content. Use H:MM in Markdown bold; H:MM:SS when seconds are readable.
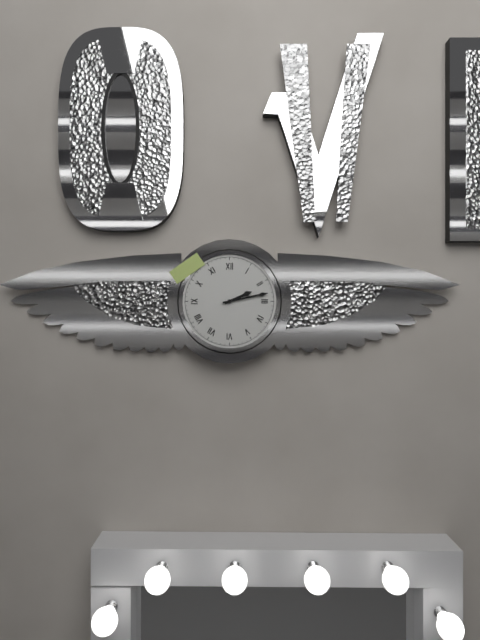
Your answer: **2:13**
